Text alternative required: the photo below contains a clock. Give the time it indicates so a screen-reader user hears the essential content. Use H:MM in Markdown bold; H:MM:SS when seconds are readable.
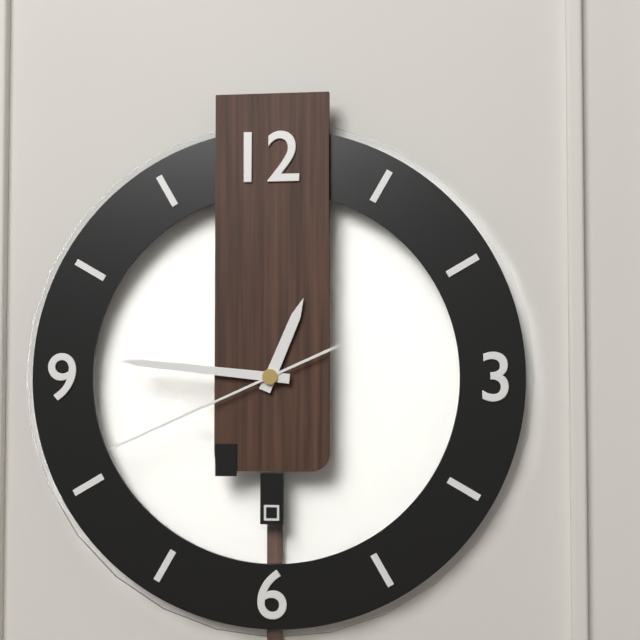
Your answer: **12:46:41**
